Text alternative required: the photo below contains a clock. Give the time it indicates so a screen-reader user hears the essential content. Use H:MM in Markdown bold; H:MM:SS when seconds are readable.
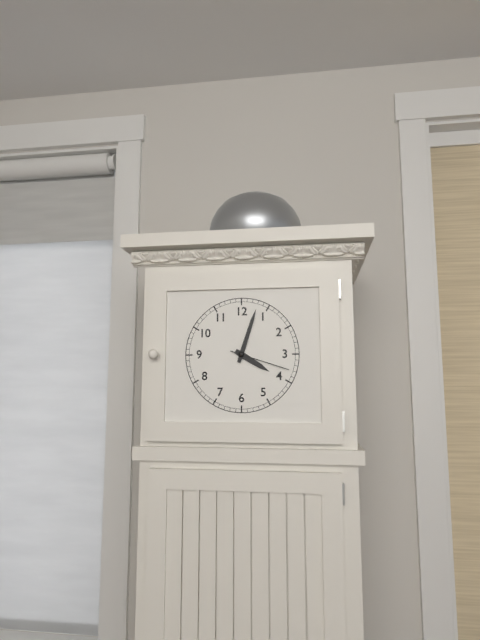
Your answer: **4:03:18**
